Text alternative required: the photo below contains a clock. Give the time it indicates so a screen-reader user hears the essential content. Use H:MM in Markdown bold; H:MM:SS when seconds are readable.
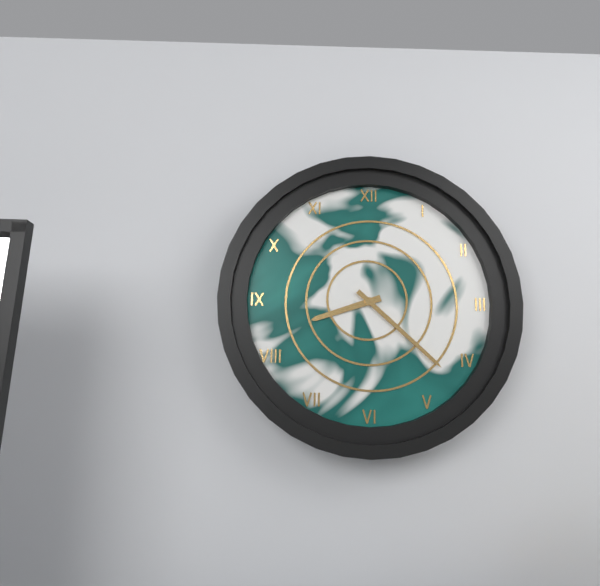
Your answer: **8:22**
